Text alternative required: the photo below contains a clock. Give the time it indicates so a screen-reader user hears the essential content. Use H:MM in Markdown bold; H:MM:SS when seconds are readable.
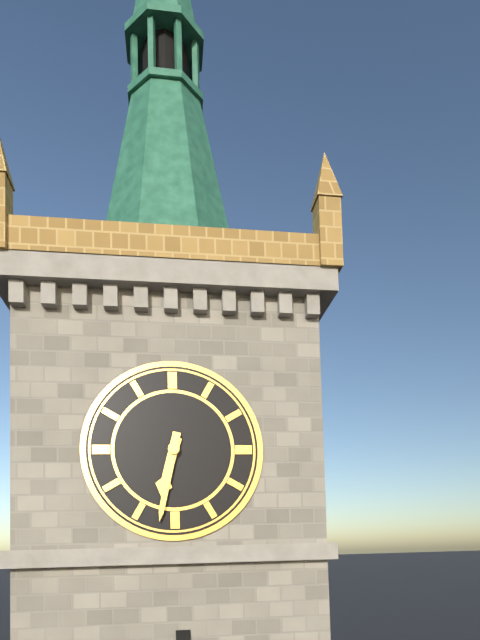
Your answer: **6:32**
